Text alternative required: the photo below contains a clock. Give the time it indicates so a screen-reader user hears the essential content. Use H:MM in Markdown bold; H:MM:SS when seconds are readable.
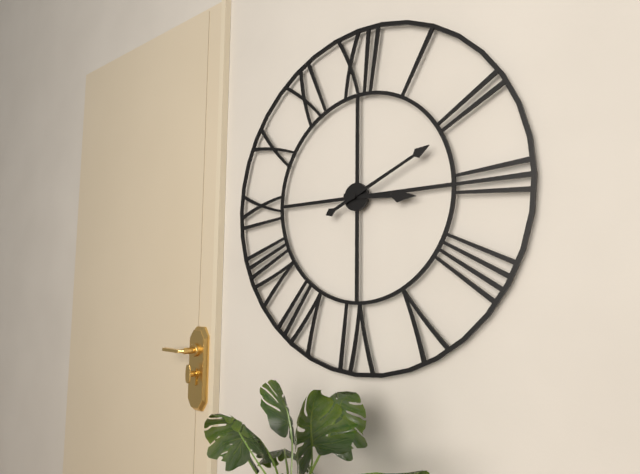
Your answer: **3:11**
